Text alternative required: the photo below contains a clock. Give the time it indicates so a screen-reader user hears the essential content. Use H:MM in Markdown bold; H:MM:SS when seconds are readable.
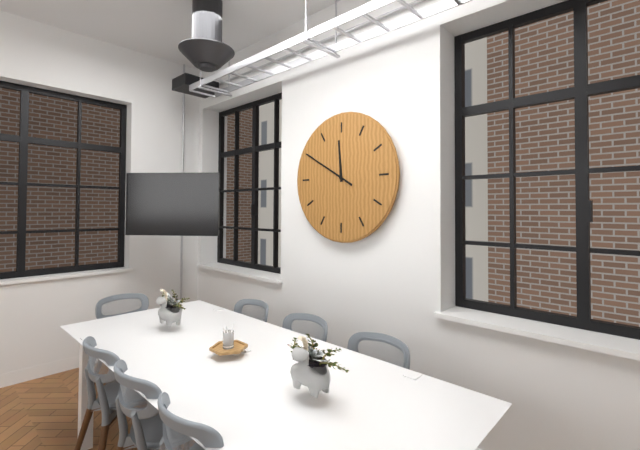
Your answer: **11:50**
